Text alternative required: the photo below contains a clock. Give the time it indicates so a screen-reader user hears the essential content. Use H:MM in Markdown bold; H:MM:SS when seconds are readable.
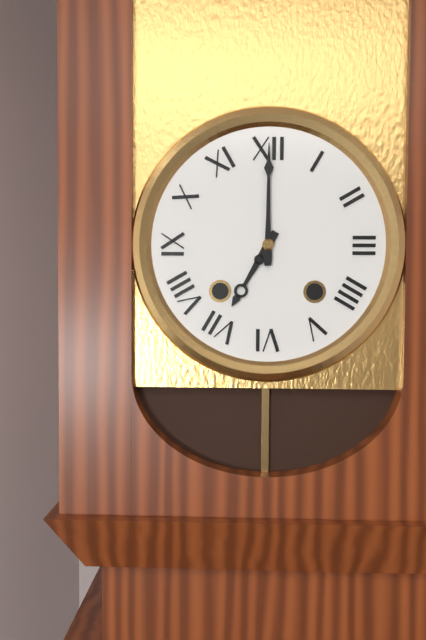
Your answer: **7:00**
